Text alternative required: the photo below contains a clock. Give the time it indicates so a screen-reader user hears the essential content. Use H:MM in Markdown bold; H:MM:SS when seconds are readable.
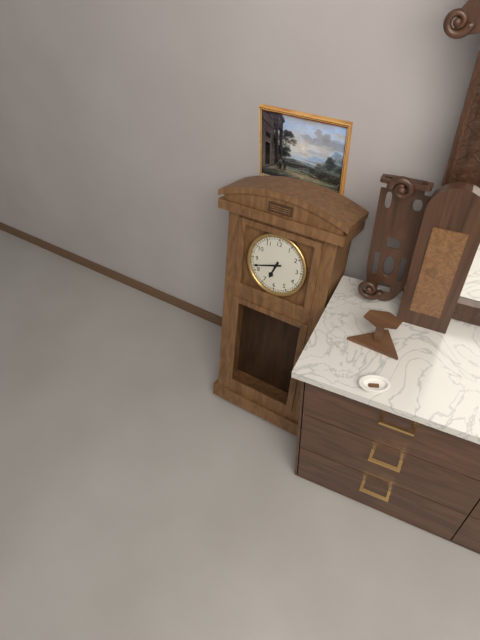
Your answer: **6:42**
